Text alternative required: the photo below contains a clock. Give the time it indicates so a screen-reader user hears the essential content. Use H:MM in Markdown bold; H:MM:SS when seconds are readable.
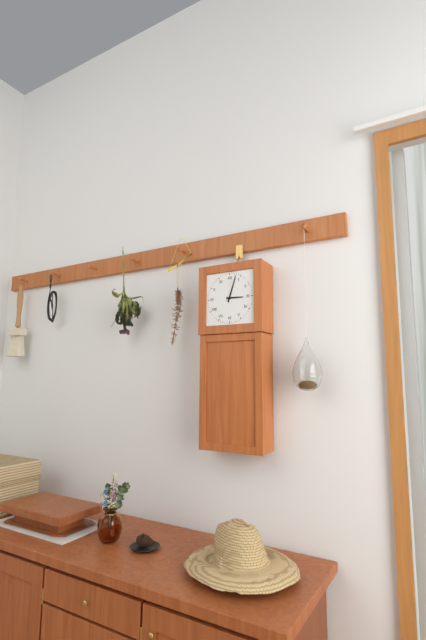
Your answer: **3:03**
